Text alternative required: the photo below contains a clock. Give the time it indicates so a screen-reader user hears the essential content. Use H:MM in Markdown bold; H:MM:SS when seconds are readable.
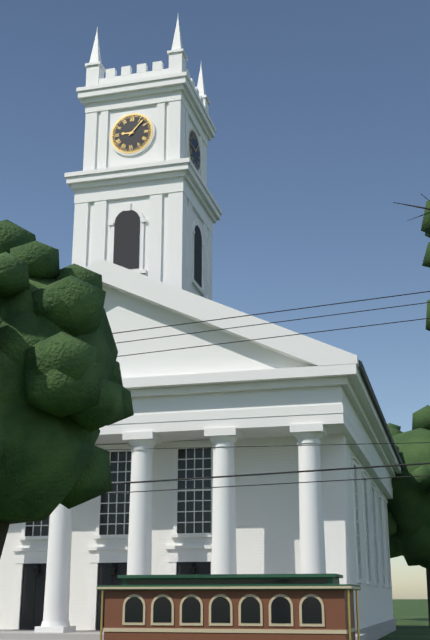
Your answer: **9:07**
